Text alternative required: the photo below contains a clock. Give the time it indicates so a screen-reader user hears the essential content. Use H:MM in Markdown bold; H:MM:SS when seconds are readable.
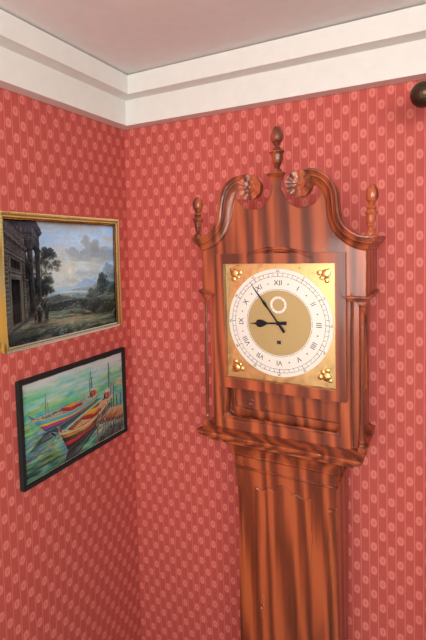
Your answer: **8:54**
